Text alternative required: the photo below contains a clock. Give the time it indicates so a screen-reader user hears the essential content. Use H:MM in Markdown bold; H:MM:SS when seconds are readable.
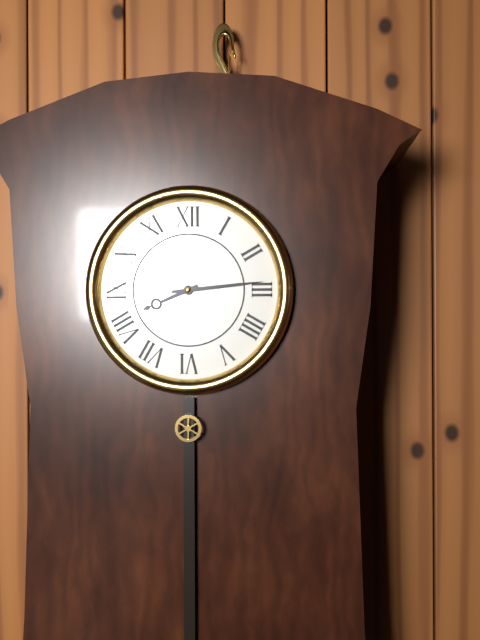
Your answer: **8:14**
